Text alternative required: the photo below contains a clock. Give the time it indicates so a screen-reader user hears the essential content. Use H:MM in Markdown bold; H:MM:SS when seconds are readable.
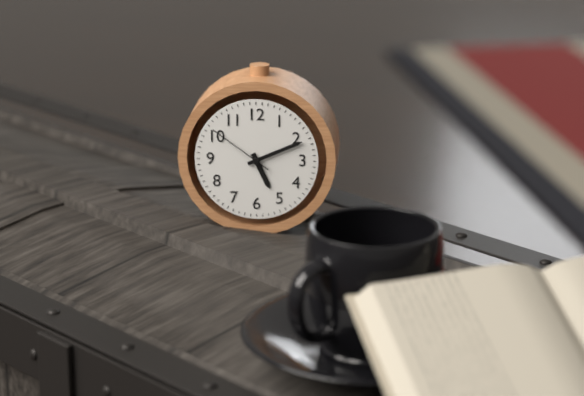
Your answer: **5:11:51**
